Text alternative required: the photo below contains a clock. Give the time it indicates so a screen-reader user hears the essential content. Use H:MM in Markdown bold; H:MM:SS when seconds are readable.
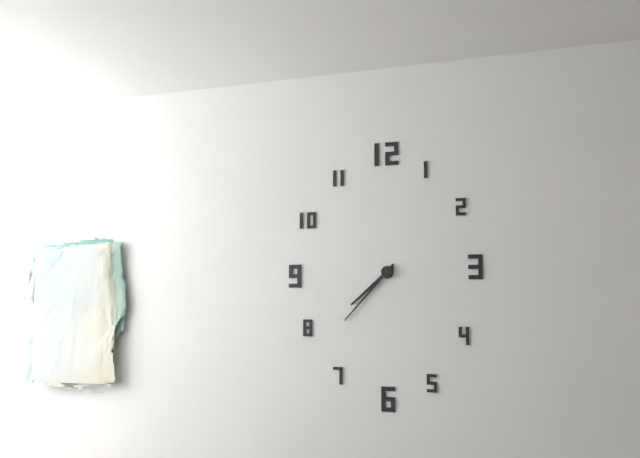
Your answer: **7:37**
